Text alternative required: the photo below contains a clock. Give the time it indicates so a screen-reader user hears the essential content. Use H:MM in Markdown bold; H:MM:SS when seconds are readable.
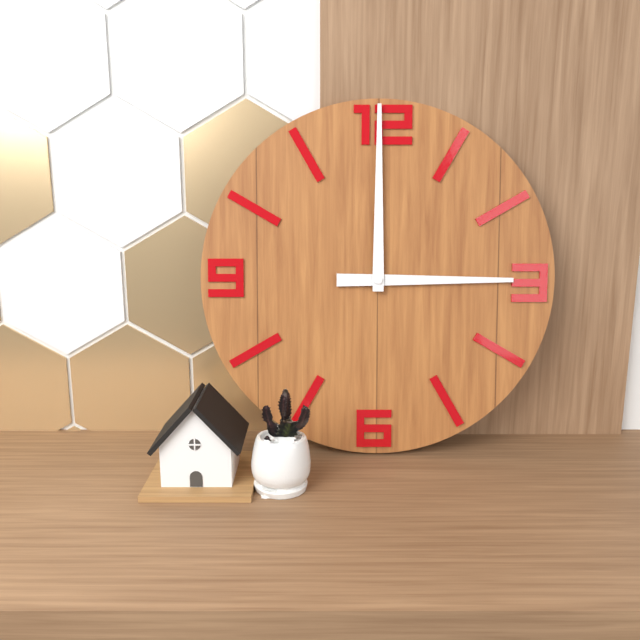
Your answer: **3:00**
